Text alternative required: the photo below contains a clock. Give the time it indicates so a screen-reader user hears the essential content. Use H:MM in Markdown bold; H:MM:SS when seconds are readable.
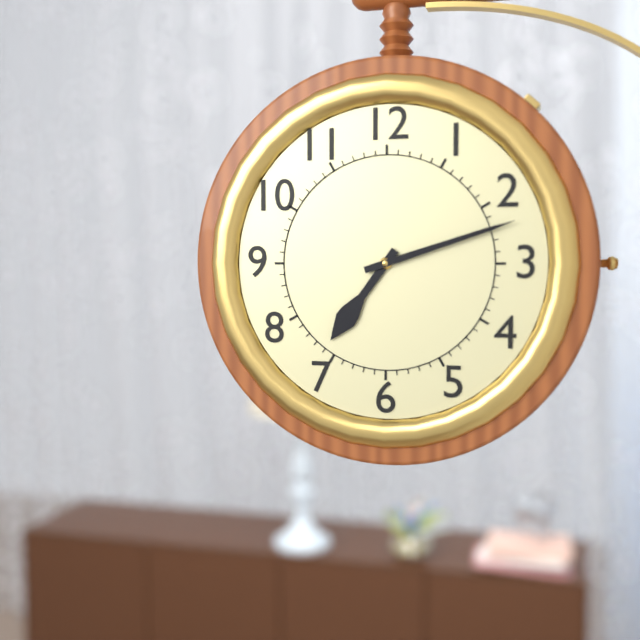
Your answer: **7:12**
